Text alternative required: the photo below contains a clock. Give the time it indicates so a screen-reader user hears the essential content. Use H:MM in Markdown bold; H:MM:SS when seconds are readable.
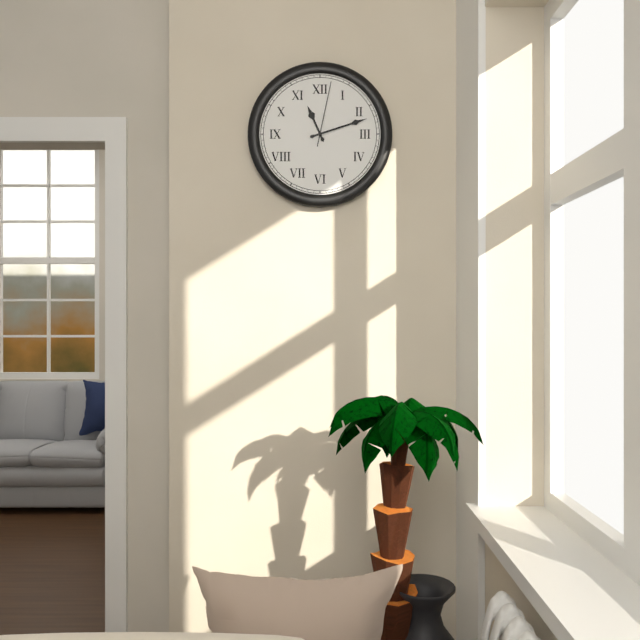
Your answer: **11:12:02**
